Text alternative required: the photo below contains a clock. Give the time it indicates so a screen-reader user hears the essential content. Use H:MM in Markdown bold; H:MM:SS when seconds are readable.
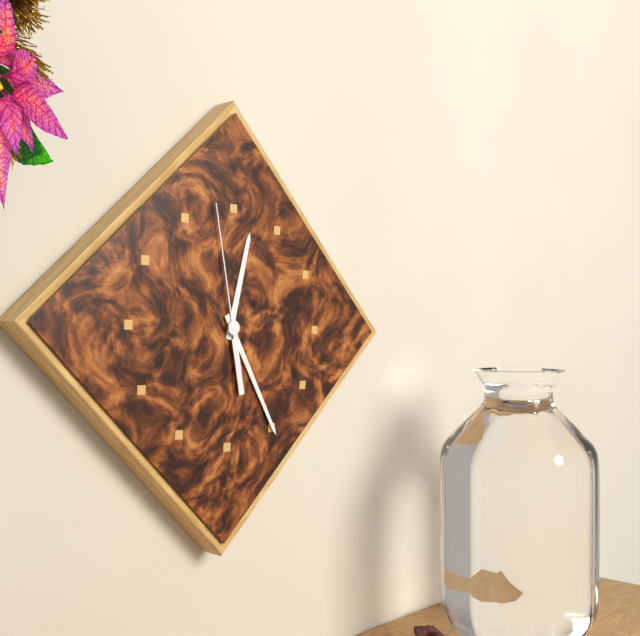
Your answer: **12:25:58**
